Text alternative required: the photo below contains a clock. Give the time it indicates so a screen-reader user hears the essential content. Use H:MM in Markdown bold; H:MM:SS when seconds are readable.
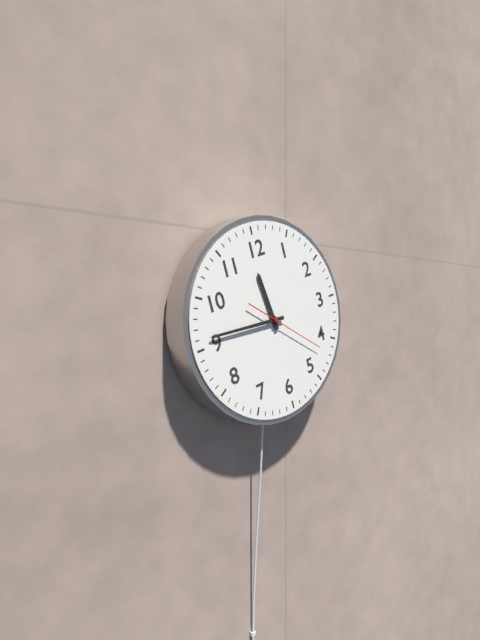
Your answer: **11:46:22**
